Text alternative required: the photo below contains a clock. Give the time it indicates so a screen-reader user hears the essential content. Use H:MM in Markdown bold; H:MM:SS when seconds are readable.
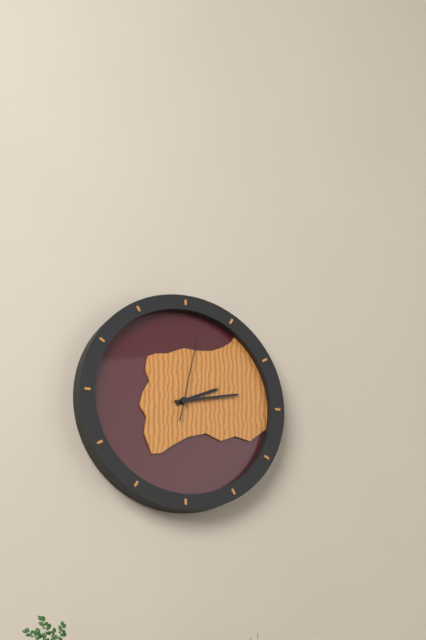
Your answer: **2:13:02**
